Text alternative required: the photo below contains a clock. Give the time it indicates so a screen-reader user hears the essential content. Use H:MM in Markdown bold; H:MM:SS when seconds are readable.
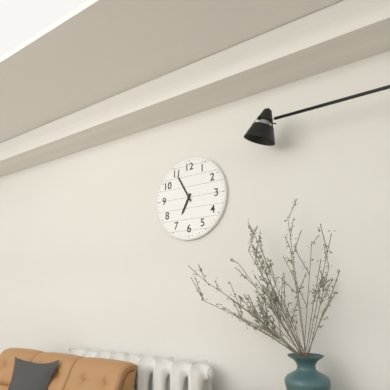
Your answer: **6:55**
